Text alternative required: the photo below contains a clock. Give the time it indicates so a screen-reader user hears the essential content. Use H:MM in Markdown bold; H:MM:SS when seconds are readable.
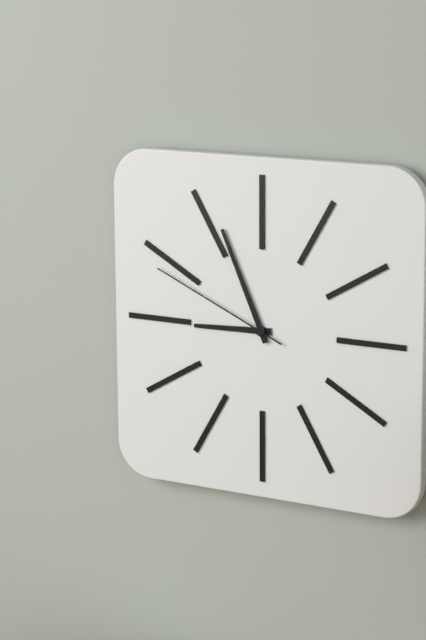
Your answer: **8:56:49**
